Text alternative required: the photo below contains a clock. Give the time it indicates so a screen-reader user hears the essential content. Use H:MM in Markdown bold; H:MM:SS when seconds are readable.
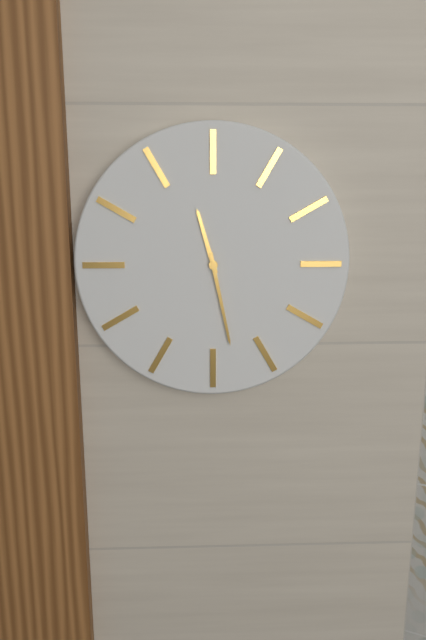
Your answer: **11:28**
